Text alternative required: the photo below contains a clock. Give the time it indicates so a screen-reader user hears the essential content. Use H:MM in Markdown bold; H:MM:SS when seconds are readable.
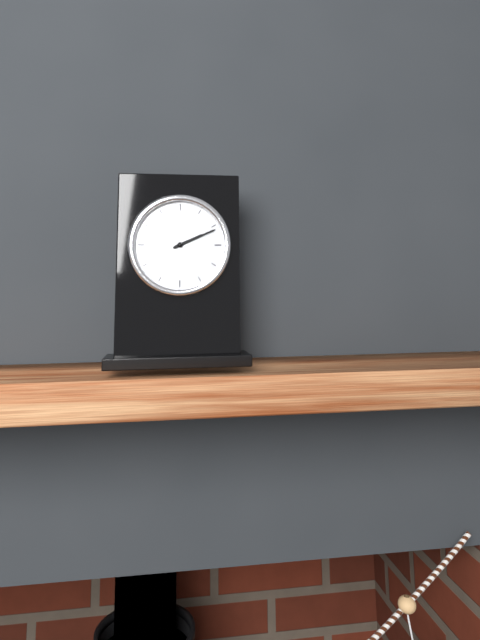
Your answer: **2:11**
